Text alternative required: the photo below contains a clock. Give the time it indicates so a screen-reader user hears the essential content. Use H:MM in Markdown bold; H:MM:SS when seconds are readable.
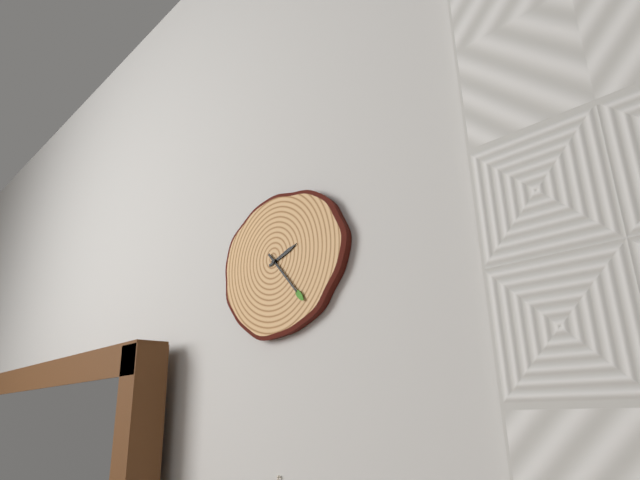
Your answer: **2:23**
